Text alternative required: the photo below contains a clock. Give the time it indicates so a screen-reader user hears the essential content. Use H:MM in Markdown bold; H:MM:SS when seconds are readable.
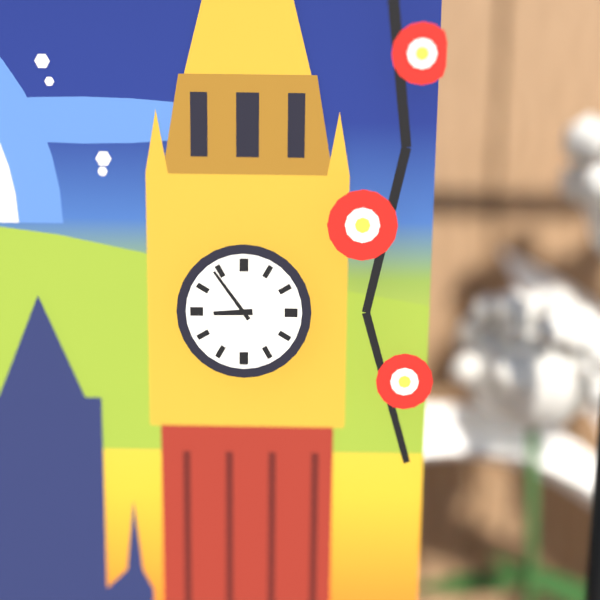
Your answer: **8:54**
